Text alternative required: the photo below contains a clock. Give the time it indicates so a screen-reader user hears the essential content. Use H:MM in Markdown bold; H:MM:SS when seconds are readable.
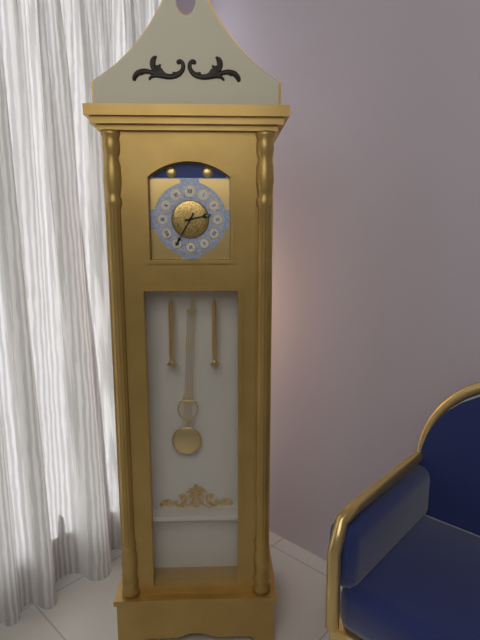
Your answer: **2:35**
